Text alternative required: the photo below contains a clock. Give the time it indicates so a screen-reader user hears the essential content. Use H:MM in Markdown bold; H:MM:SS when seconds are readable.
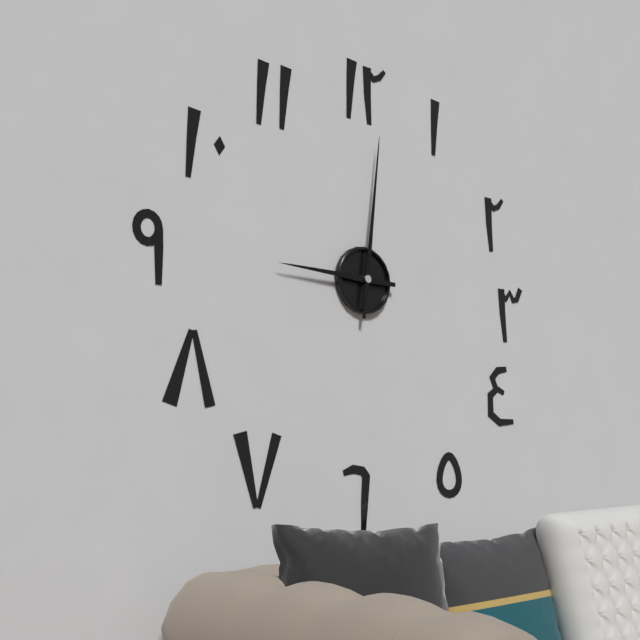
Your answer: **9:01**
